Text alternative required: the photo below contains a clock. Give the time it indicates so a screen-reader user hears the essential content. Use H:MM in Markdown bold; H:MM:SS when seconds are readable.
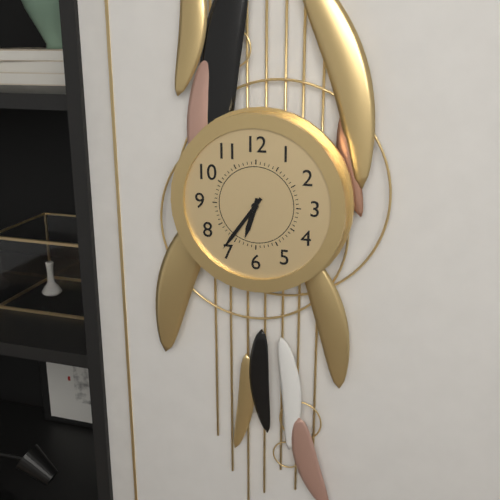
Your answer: **6:36**
